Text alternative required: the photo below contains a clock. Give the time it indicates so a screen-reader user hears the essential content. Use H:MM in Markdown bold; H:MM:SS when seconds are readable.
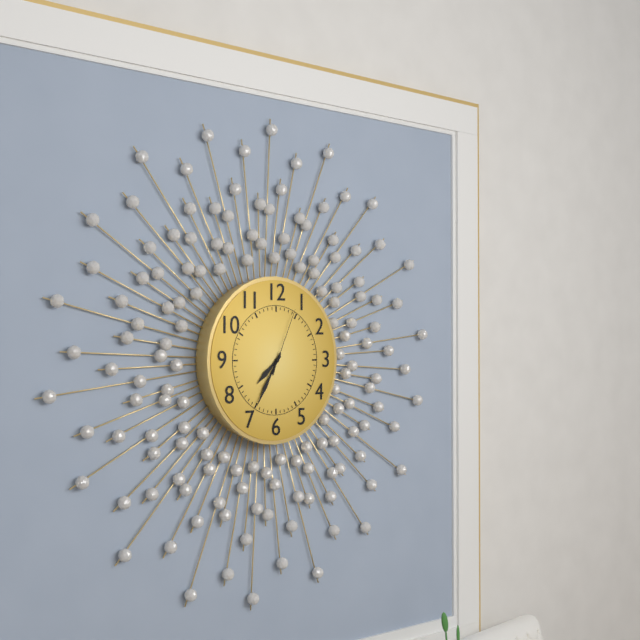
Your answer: **7:35:04**
